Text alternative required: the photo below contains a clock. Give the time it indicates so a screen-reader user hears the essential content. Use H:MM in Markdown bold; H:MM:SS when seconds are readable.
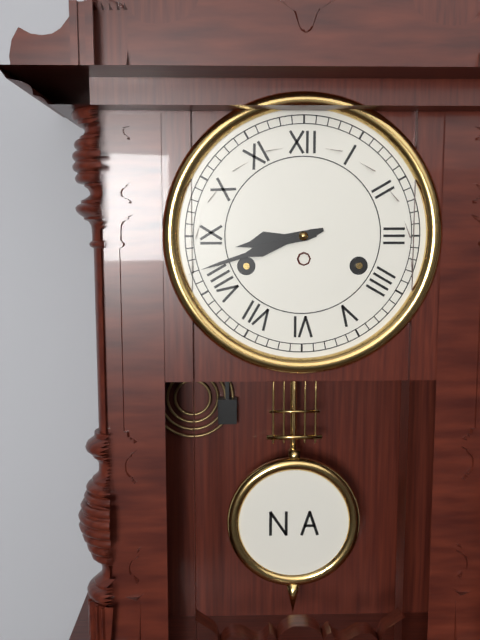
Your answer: **8:42**
